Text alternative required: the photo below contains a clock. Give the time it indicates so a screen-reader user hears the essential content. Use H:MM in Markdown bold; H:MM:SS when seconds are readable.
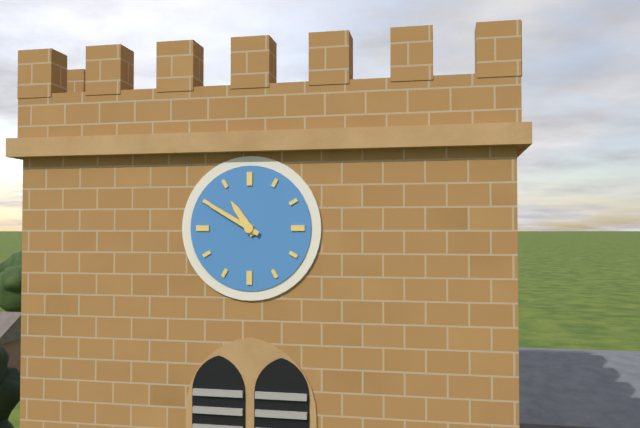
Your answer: **10:50**
